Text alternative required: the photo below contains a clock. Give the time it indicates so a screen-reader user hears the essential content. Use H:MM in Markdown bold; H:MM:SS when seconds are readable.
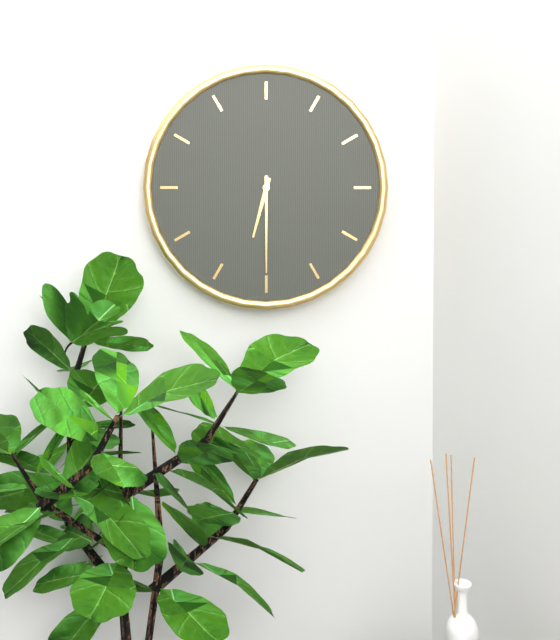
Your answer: **6:30**
